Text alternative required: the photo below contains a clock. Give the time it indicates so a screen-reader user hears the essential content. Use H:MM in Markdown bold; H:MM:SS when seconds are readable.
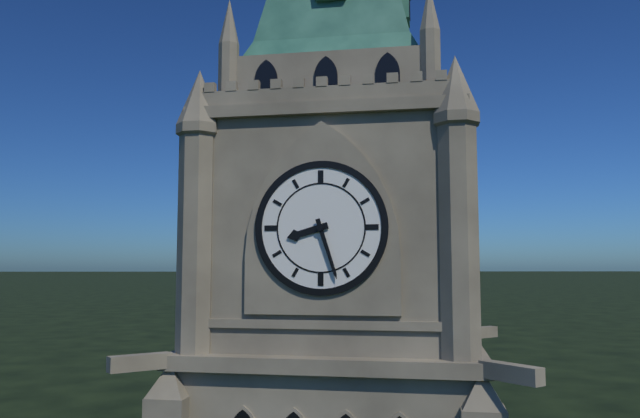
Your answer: **8:27**
